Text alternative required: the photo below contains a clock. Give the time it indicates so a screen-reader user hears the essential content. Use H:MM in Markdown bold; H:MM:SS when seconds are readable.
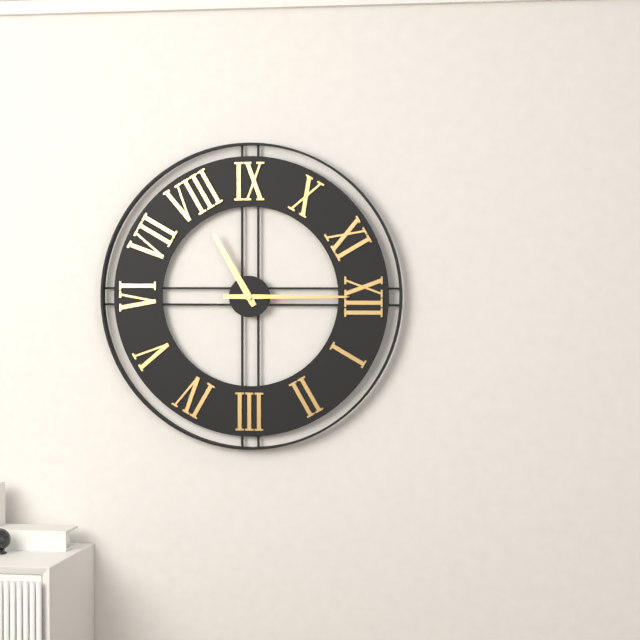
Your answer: **8:00**
